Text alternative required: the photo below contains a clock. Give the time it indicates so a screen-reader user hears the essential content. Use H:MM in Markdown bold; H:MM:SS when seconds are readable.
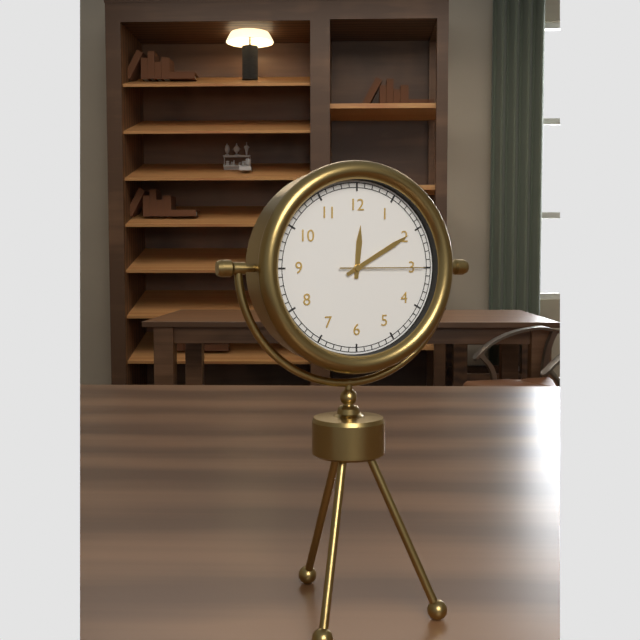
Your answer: **12:10:15**
